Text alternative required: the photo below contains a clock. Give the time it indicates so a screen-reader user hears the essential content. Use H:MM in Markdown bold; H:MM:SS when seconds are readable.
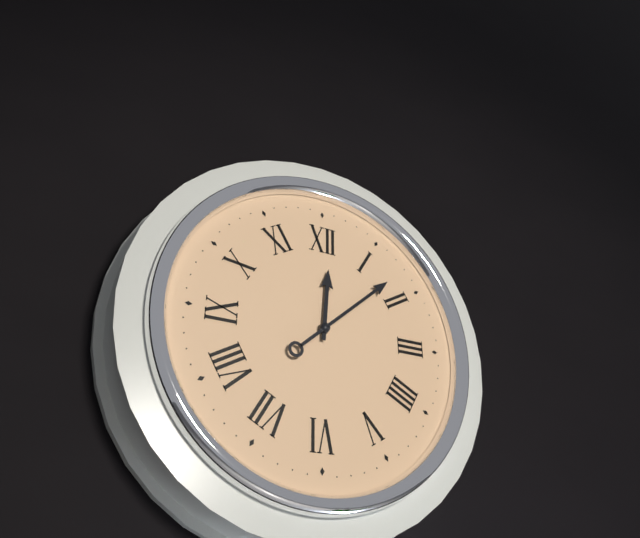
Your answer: **12:08**
